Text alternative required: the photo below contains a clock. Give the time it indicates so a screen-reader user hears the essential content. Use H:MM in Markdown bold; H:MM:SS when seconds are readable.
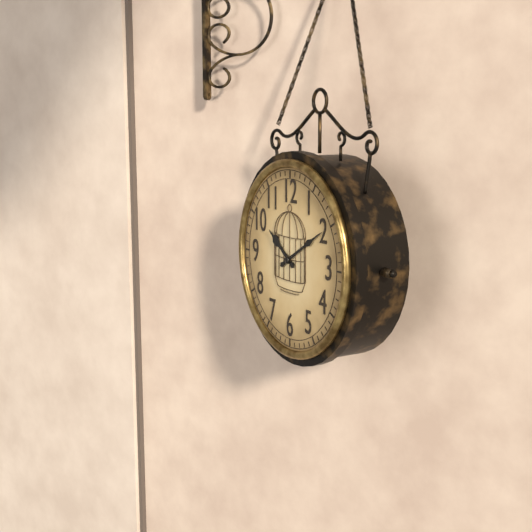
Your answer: **10:10**
